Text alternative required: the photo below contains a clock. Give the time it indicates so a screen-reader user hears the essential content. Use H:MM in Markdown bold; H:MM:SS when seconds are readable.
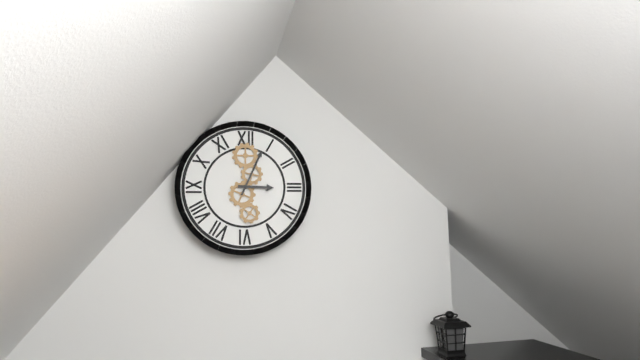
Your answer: **3:04**
